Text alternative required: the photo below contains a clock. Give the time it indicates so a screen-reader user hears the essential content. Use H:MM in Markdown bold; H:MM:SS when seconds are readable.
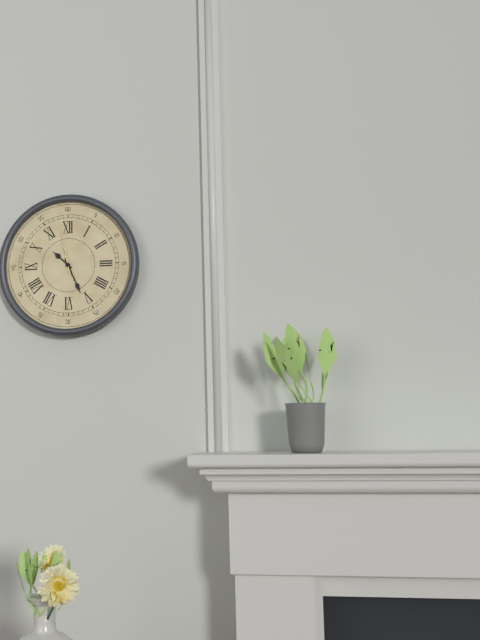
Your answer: **10:26**
